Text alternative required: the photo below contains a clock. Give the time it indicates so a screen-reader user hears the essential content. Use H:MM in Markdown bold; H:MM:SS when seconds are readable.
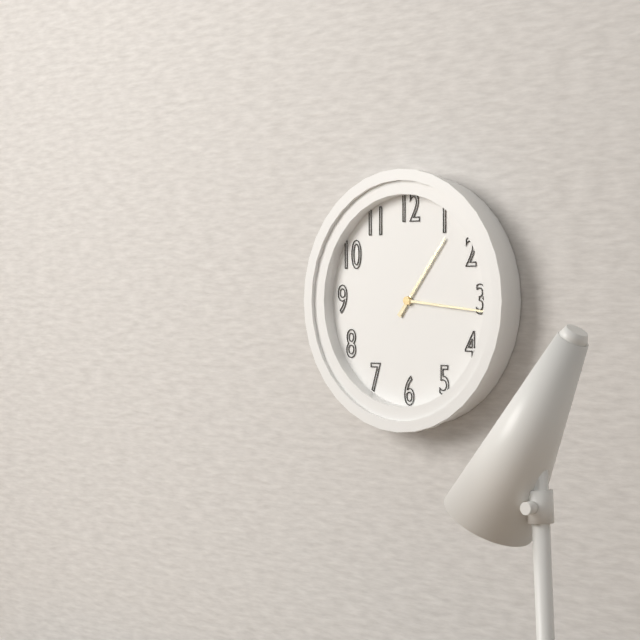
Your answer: **1:16**
